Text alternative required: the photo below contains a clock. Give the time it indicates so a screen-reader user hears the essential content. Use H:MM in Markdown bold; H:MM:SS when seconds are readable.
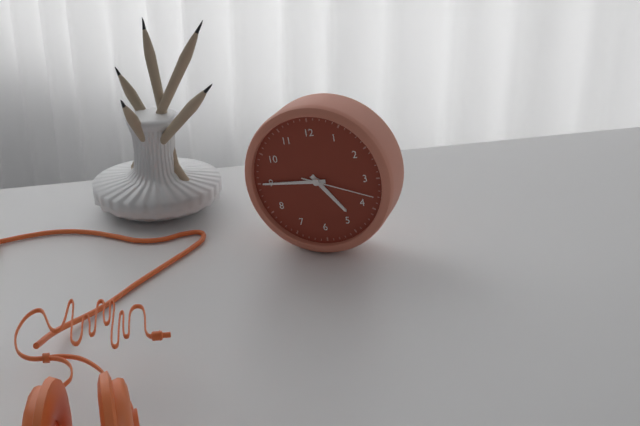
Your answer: **4:45:18**
